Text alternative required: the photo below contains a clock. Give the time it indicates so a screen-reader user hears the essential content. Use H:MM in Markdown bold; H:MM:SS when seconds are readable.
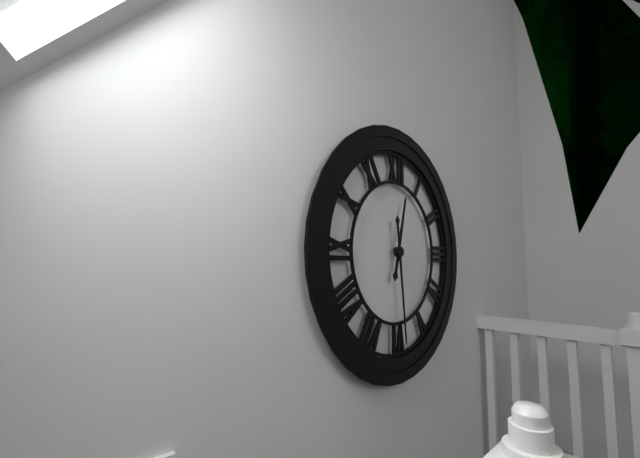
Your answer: **12:29**
